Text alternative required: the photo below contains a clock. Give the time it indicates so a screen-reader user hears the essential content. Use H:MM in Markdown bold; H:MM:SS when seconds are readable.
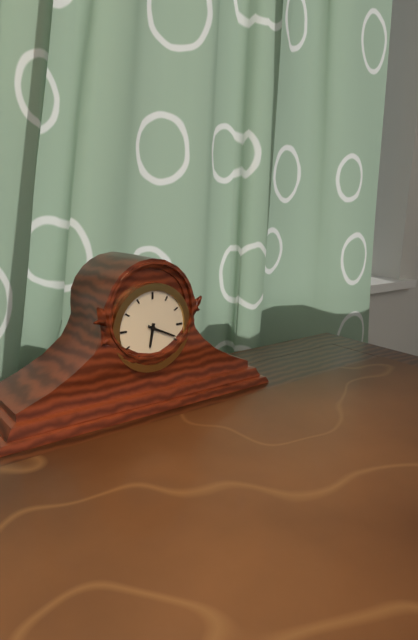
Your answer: **6:19**
